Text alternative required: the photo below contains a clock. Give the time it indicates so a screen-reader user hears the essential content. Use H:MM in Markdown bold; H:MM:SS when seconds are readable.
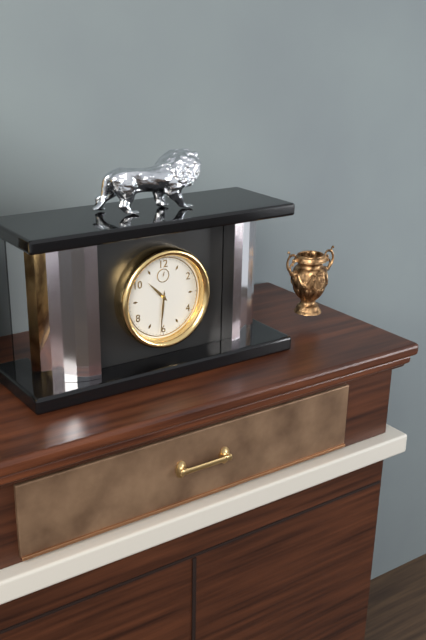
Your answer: **10:31**
